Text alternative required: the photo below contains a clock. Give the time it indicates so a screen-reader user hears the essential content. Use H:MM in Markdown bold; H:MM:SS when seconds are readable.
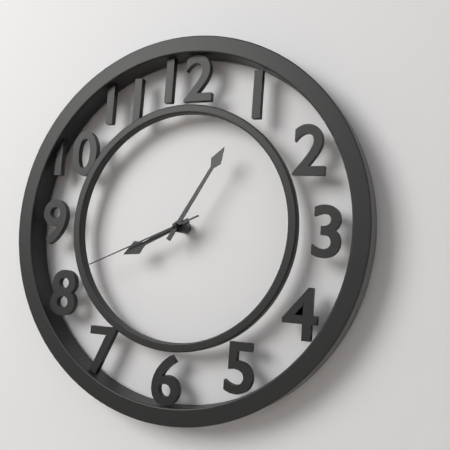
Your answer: **8:05:41**
